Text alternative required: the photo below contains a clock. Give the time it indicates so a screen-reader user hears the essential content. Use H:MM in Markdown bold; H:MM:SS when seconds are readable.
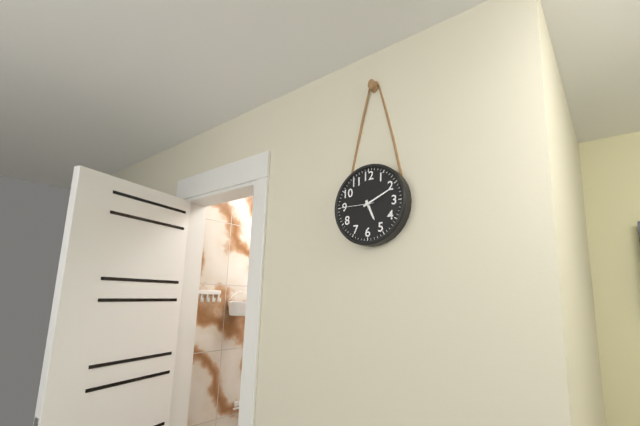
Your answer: **5:11**
